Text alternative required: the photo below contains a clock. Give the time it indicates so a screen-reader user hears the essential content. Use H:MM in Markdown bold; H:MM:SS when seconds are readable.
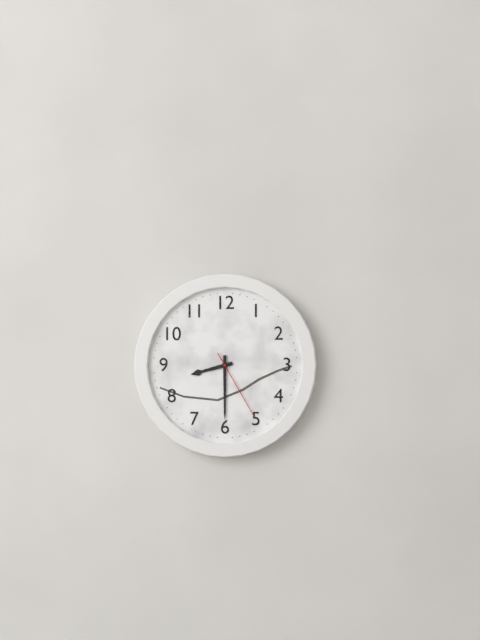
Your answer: **8:30:25**
